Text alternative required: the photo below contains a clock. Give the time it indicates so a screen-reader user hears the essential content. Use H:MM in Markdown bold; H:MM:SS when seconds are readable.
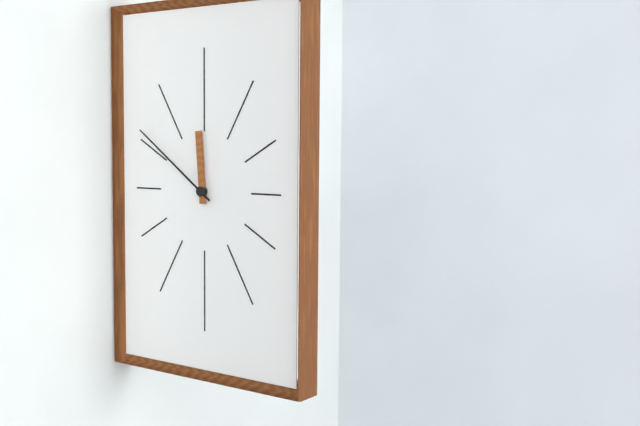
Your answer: **11:51**
